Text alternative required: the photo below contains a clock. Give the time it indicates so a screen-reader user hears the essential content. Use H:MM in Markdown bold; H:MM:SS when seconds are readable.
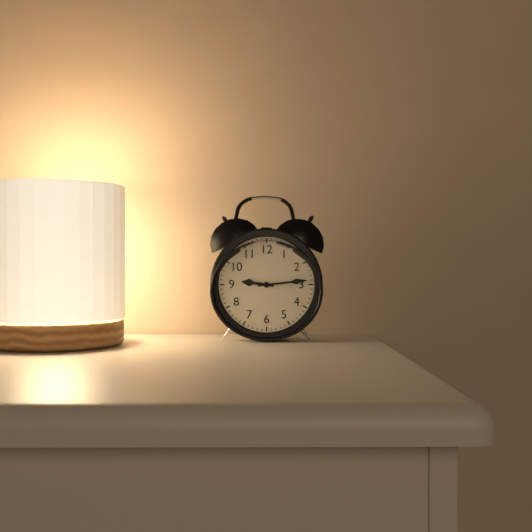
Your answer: **9:14**
